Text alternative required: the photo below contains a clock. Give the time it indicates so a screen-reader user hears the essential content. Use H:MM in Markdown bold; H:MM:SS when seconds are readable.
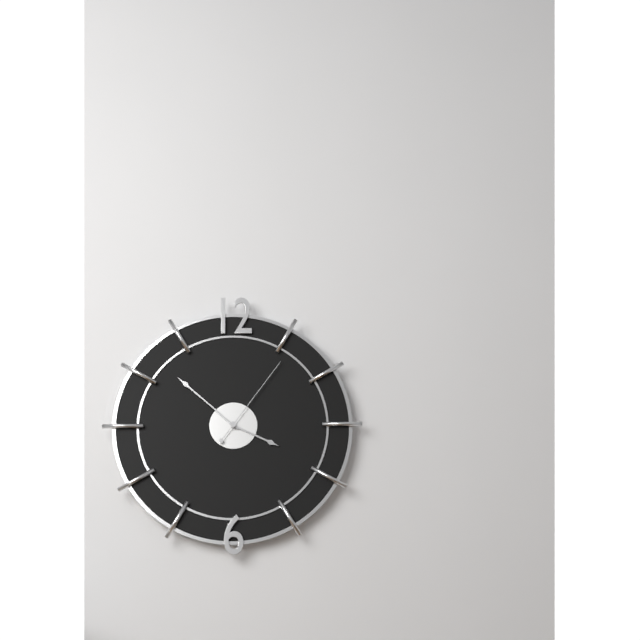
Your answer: **3:52:06**
